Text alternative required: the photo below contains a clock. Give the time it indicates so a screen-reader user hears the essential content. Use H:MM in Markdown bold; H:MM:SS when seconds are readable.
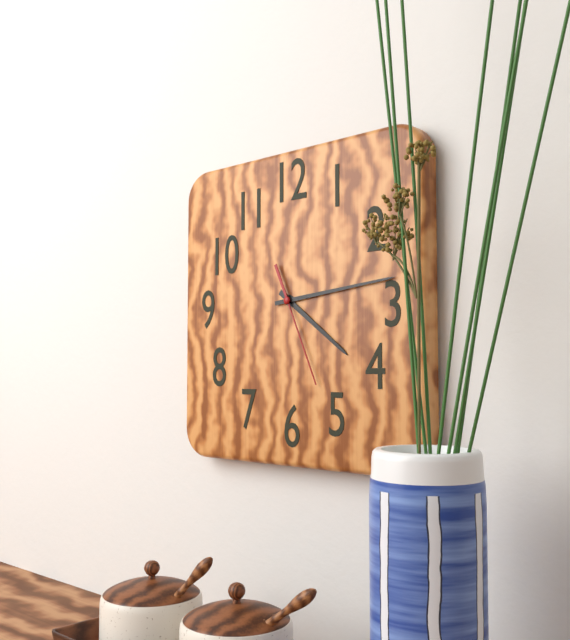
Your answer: **4:14:26**
